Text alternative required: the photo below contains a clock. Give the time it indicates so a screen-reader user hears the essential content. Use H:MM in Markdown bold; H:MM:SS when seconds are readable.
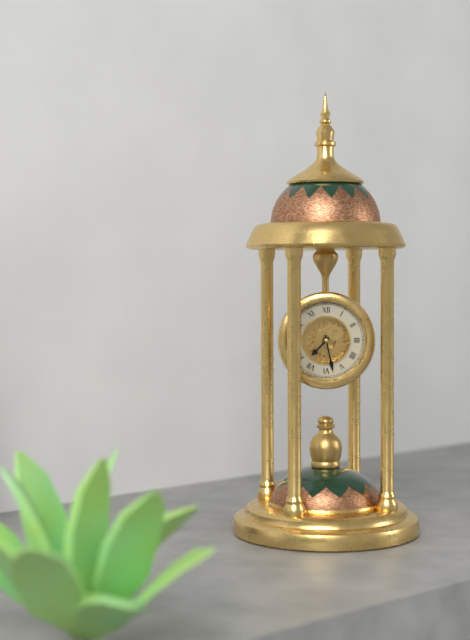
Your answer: **7:28**
